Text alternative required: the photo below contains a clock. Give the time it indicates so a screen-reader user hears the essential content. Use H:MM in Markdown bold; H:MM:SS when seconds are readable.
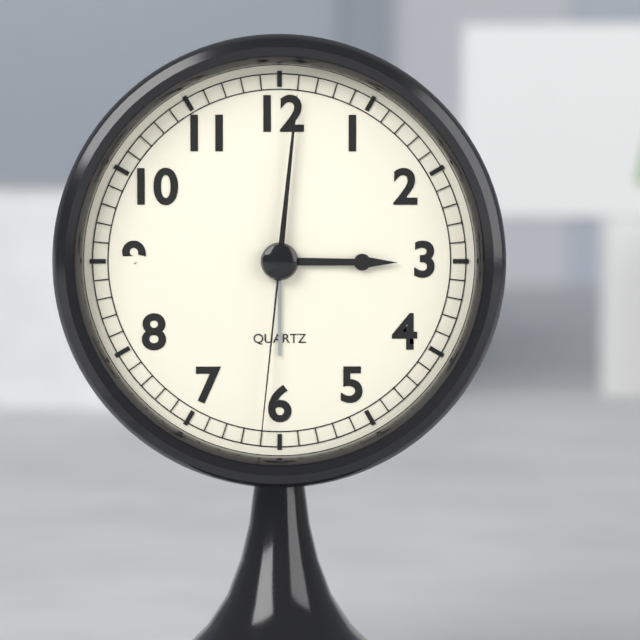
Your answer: **3:01:31**
